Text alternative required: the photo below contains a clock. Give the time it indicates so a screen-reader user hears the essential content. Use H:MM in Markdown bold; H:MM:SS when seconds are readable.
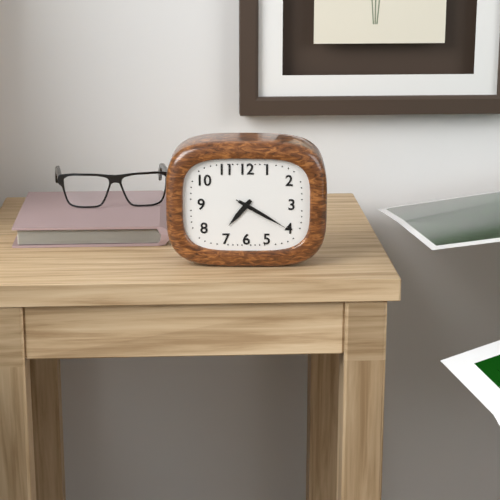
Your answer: **7:20:20**
